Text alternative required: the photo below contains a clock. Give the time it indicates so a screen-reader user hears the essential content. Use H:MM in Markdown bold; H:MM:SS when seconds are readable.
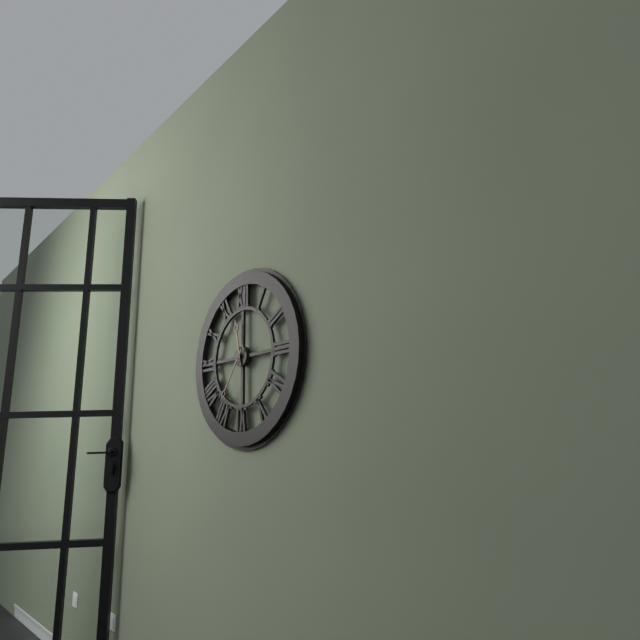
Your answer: **11:36**
